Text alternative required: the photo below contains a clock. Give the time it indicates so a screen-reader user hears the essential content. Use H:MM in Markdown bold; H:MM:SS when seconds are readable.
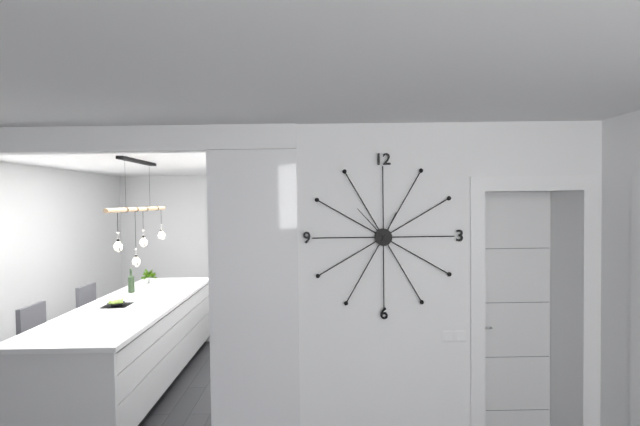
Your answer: **12:53**
